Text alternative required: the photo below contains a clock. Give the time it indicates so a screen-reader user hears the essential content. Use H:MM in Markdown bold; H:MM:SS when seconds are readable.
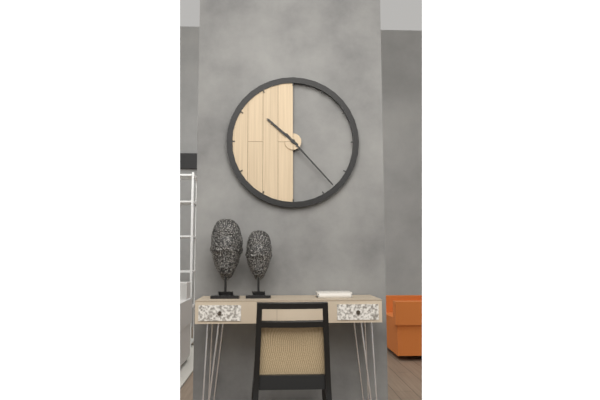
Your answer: **10:23**
